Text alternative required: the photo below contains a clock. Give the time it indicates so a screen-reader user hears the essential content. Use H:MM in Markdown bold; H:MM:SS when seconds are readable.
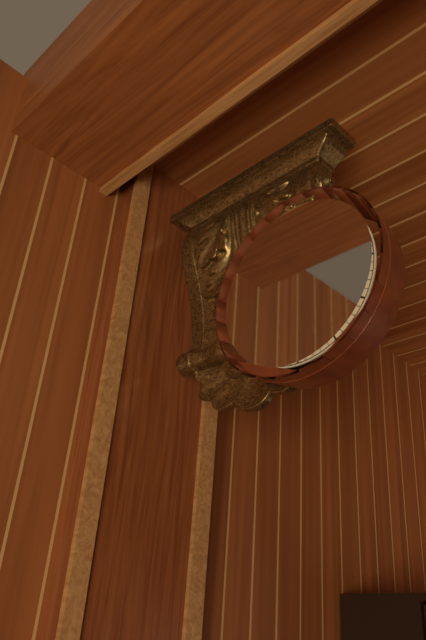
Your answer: **2:25**
